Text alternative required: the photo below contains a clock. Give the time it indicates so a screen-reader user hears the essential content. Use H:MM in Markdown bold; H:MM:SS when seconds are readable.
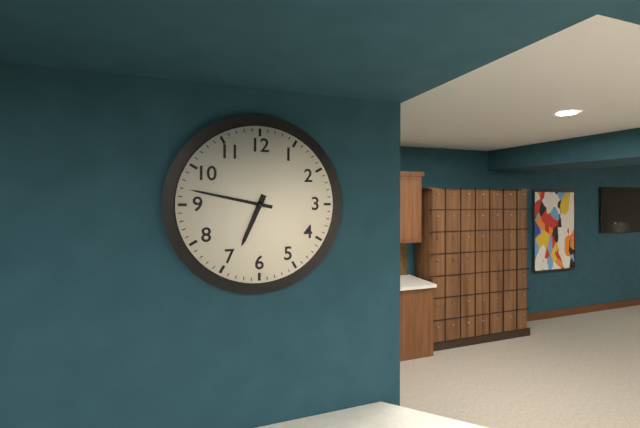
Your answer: **6:47**
